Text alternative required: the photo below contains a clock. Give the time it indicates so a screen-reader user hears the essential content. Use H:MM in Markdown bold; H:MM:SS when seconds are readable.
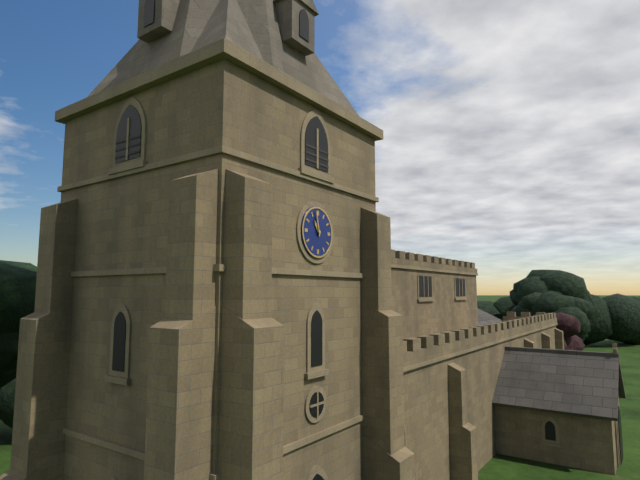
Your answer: **10:58**
